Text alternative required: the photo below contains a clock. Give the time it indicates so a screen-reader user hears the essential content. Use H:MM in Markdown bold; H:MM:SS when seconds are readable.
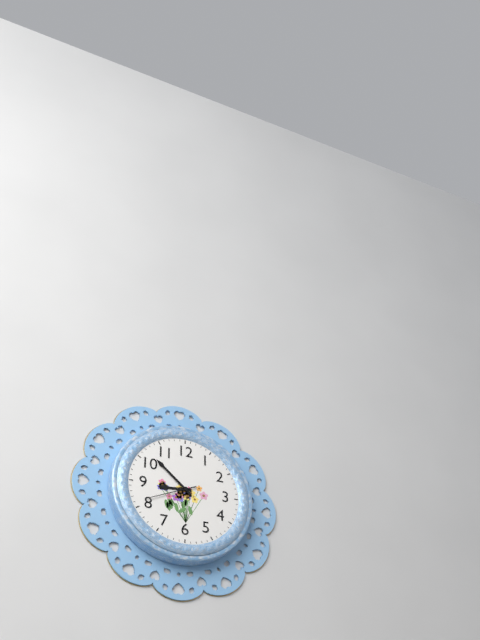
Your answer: **8:52:41**
